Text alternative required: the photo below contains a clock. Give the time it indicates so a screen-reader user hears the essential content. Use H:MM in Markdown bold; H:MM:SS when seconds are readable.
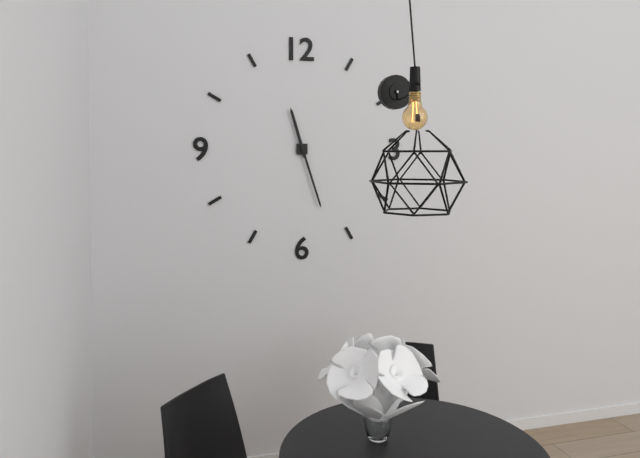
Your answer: **11:27**
